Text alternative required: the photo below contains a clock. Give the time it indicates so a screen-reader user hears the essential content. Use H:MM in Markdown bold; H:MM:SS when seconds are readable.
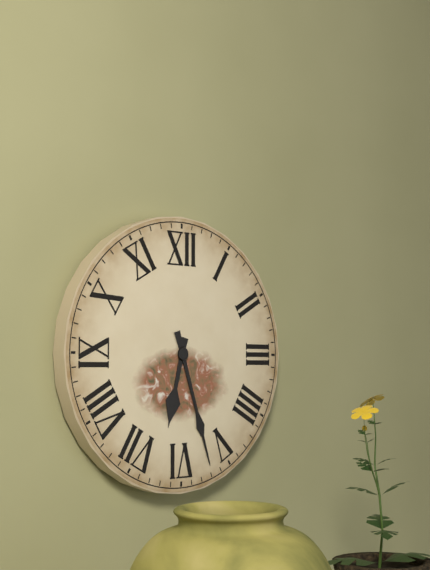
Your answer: **6:27**
